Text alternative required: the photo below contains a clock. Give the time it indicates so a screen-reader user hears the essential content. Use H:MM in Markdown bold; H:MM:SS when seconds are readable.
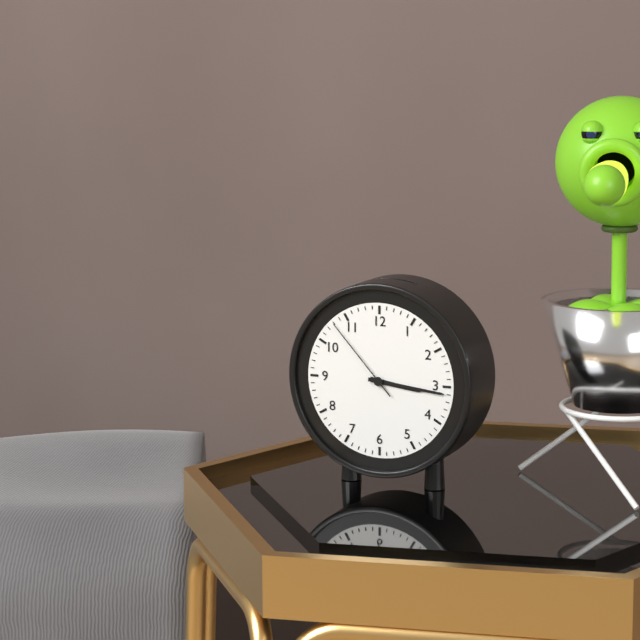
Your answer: **3:16:53**
